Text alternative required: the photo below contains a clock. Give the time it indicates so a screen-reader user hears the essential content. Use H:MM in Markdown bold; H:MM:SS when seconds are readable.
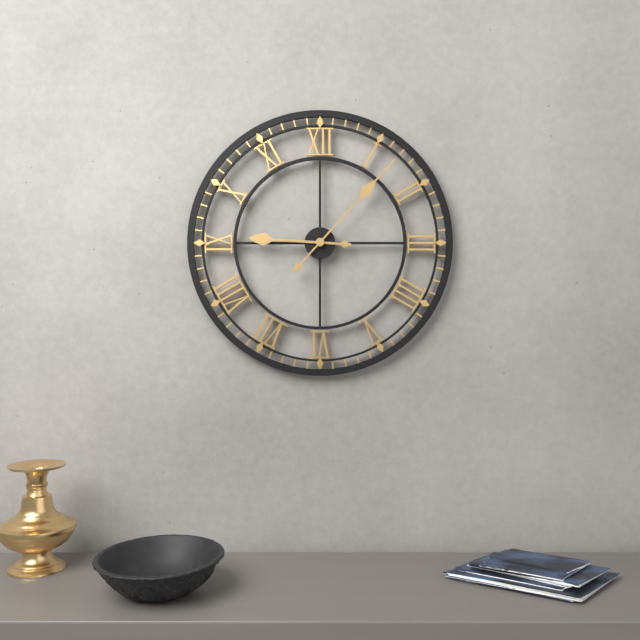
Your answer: **9:07**
